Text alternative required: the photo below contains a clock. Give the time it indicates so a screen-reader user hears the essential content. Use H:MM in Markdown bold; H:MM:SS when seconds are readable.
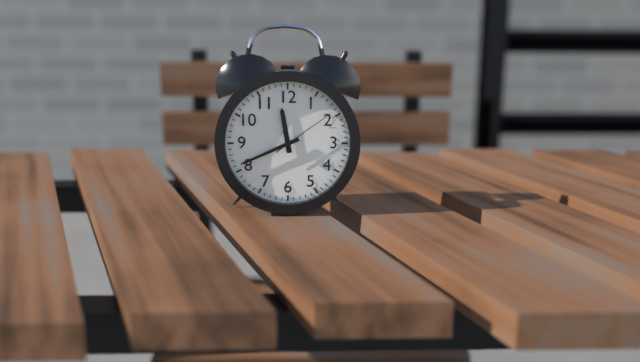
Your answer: **11:41:09**
